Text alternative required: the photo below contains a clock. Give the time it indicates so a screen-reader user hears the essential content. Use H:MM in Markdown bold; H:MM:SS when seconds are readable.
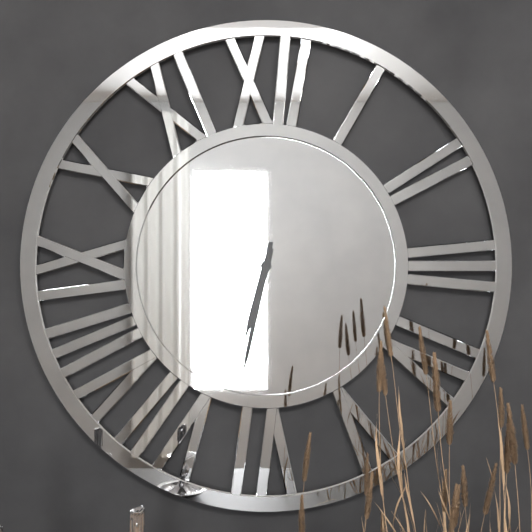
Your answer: **6:32**
